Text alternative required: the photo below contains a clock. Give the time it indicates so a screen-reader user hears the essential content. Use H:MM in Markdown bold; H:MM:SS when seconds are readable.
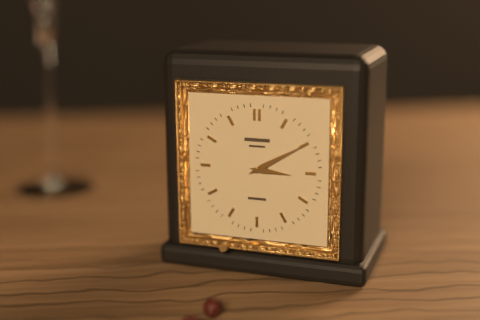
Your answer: **3:10**
